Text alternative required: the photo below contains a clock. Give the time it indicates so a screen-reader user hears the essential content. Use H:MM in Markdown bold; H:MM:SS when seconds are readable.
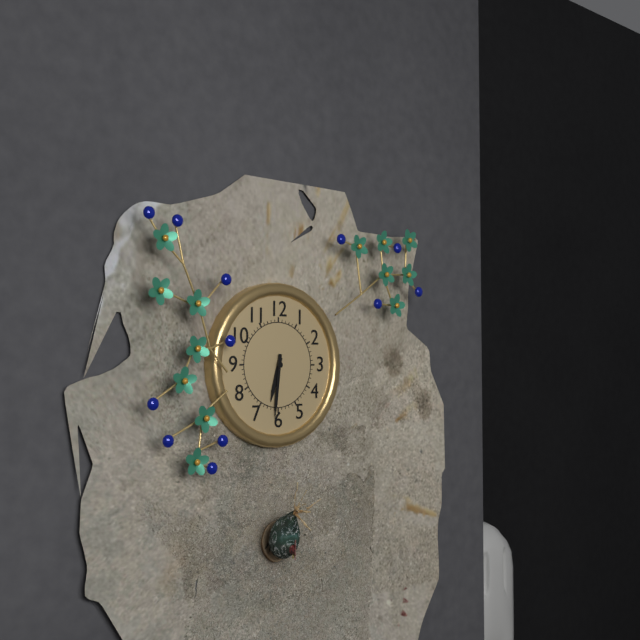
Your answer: **6:31**
